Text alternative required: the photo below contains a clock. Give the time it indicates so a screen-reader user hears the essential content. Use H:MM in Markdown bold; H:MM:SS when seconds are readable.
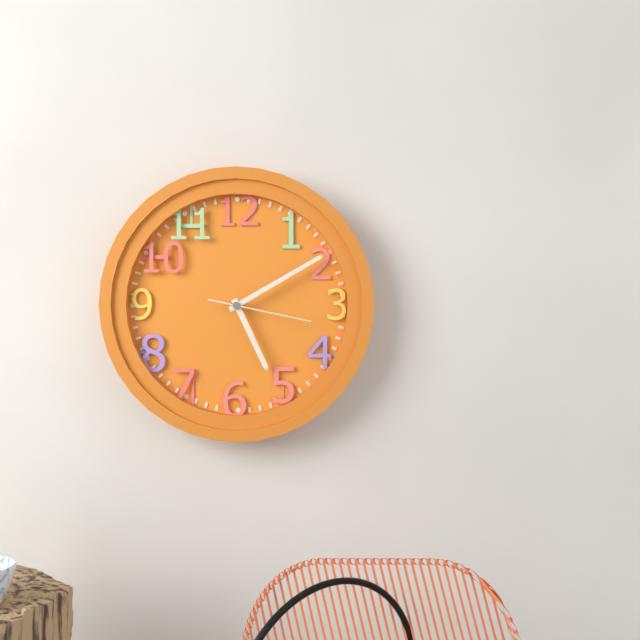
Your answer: **5:10:17**
